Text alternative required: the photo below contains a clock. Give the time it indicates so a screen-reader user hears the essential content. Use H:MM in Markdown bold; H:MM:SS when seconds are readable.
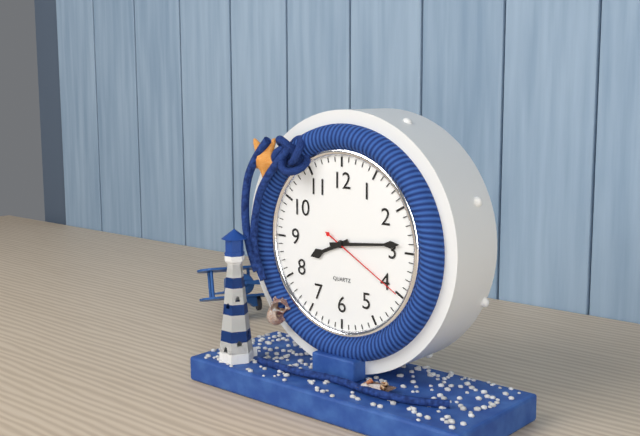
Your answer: **8:14:20**
